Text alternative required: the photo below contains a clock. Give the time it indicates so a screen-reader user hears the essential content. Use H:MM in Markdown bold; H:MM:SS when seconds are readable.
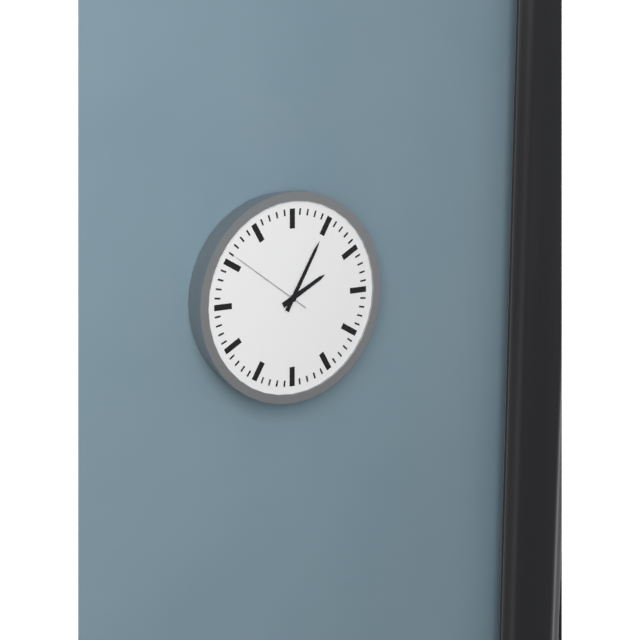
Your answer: **2:05:51**
